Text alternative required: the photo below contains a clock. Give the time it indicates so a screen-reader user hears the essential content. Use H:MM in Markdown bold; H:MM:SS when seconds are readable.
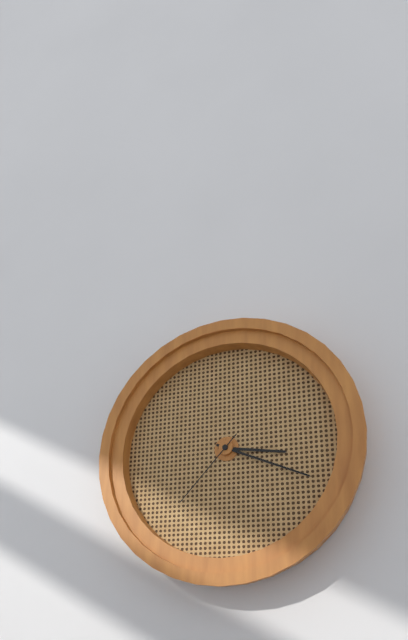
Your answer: **3:19:37**
